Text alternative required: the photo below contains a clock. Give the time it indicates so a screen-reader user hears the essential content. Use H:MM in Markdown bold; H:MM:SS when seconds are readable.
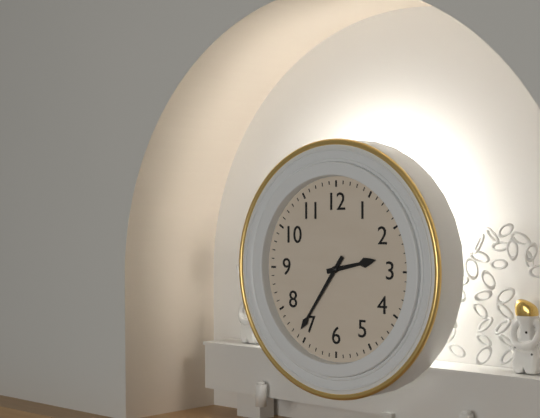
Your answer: **2:36**
